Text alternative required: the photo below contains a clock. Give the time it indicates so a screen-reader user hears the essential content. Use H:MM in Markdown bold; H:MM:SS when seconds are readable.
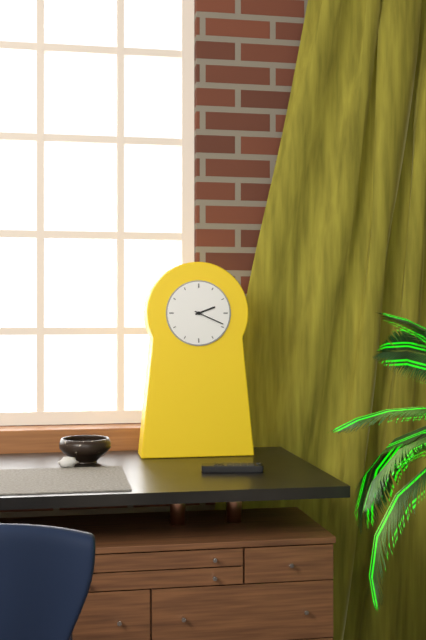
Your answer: **2:19**
